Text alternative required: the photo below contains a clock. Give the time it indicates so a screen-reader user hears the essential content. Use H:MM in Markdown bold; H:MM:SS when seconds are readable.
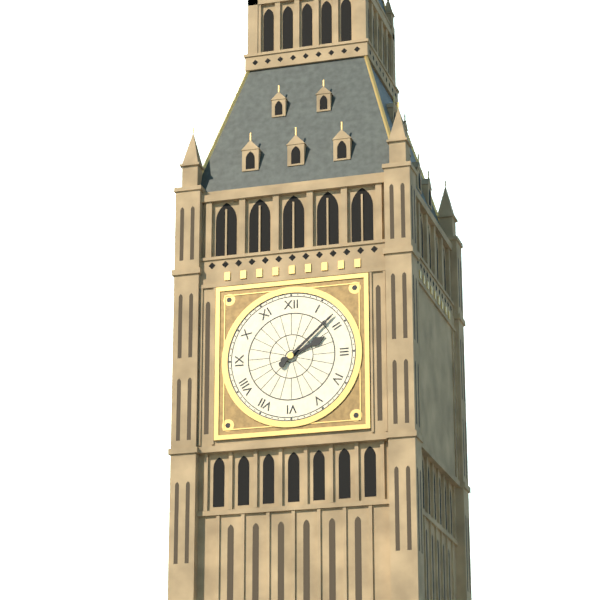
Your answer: **2:08**
